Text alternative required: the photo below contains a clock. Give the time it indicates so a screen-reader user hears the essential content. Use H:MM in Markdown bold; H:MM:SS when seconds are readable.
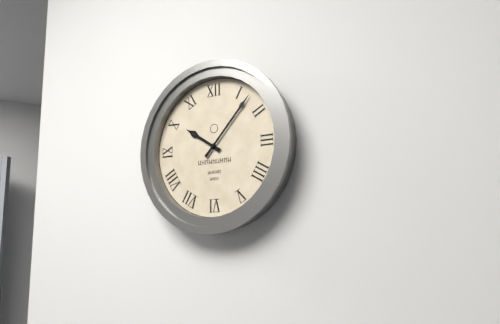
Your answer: **10:07**
